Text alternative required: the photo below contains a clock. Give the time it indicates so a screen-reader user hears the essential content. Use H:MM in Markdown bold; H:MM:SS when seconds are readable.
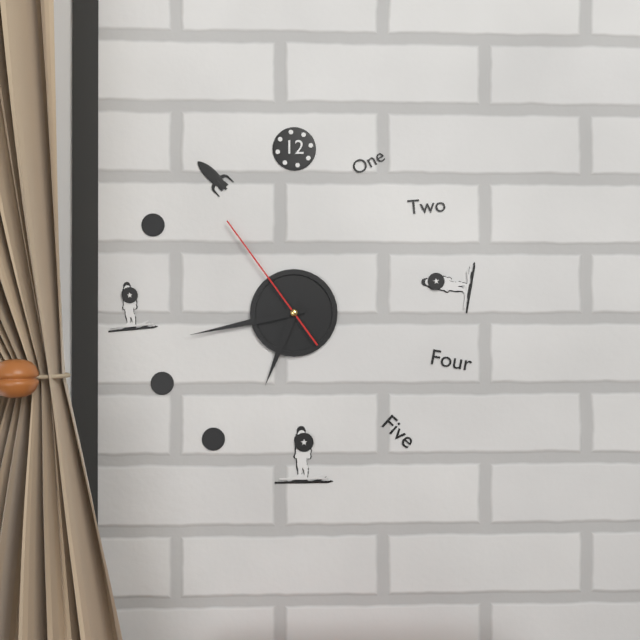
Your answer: **6:43:54**
